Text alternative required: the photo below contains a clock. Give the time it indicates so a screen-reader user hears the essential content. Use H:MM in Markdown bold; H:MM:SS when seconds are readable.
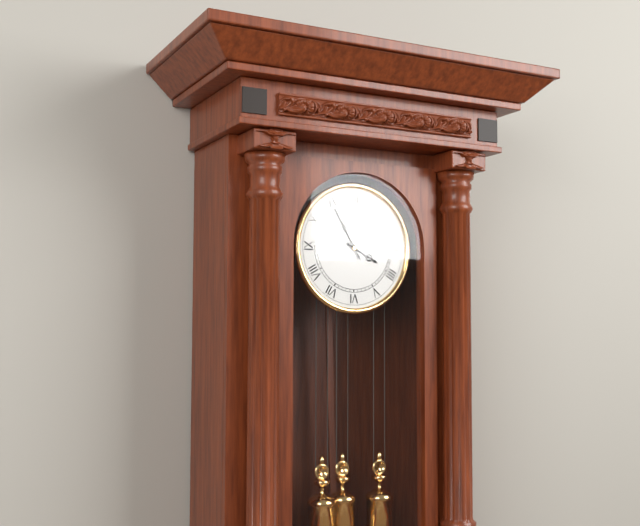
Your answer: **3:55**
